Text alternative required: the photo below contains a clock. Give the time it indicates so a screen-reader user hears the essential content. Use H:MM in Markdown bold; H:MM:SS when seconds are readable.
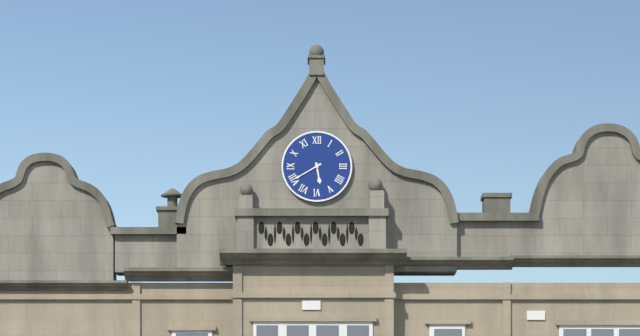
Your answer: **5:40**
